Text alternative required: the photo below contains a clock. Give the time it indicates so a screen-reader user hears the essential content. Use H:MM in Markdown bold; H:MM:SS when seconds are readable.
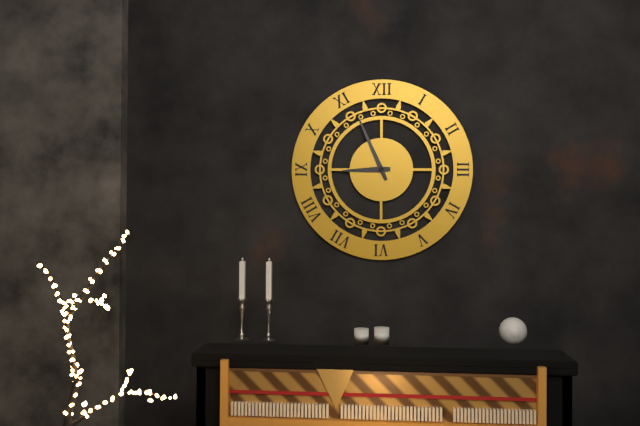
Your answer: **8:56**
